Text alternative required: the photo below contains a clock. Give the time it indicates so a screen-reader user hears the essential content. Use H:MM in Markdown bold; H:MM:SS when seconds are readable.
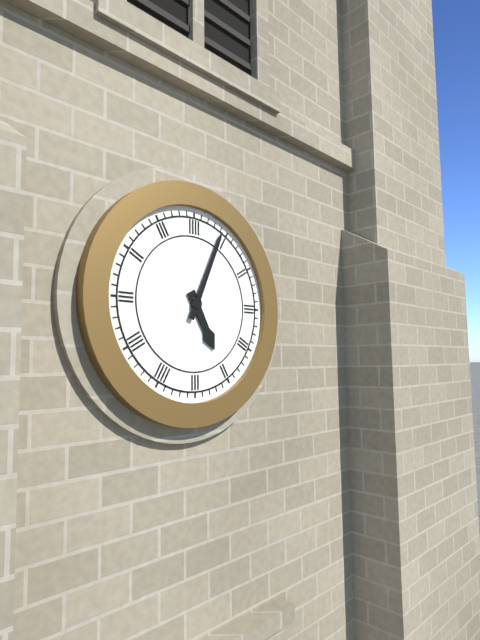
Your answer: **5:04**
